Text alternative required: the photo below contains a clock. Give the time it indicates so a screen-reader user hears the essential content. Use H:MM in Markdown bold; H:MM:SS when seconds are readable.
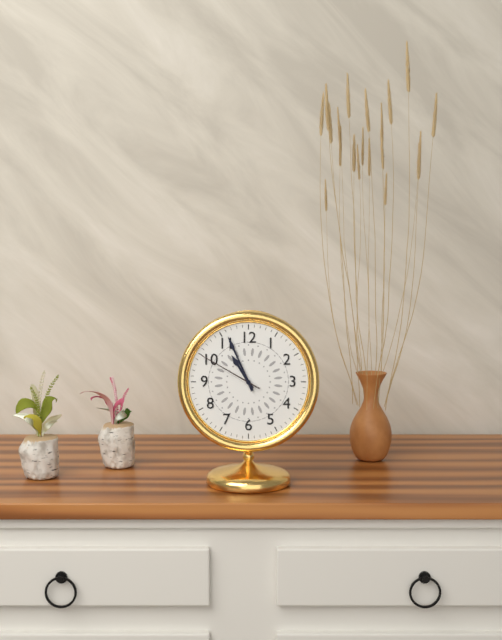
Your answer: **10:56:50**
